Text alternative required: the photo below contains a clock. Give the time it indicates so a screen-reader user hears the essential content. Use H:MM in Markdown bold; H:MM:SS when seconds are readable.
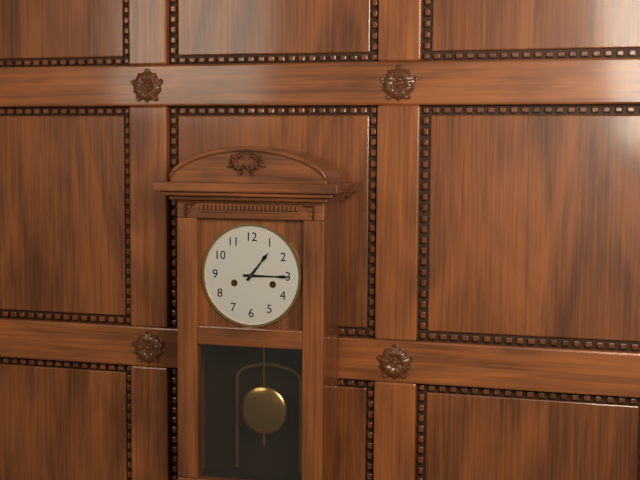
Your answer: **1:15**
